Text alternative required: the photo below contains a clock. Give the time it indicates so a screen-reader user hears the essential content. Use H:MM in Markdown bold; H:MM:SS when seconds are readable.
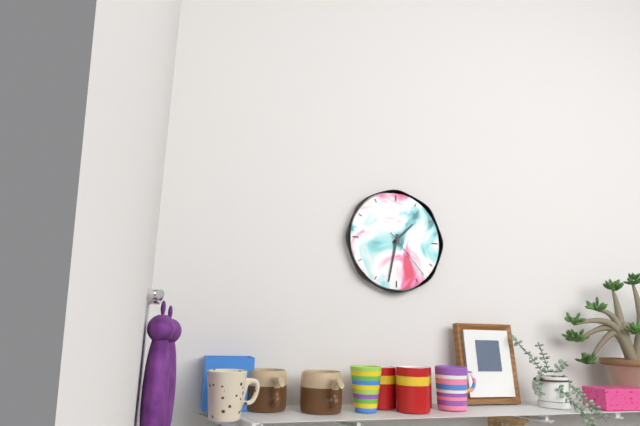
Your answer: **1:32:23**
